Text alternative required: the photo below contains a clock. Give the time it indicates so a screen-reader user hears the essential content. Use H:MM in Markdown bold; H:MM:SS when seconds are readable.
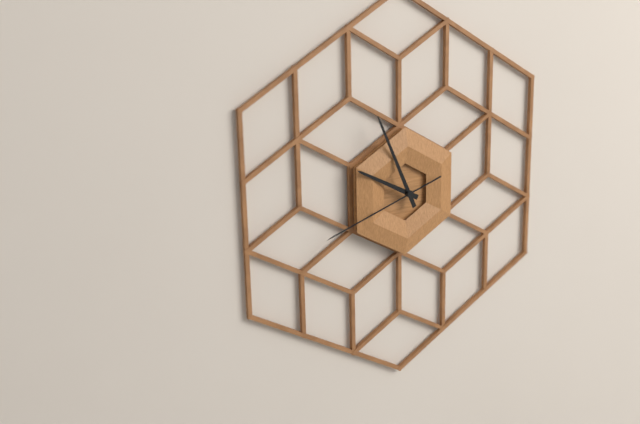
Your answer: **9:56:42**
